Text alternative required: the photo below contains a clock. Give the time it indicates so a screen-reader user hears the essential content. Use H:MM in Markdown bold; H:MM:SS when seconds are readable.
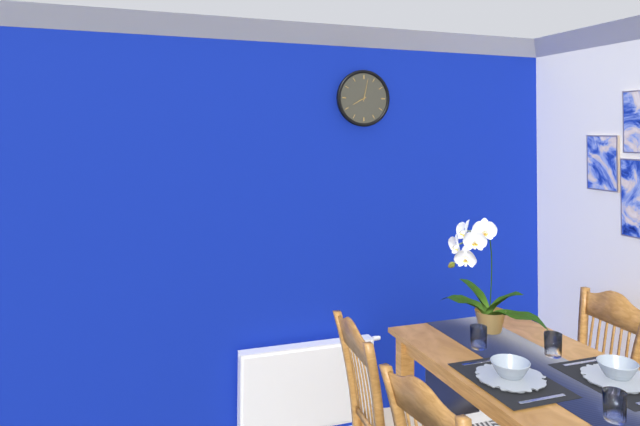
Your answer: **8:02**
